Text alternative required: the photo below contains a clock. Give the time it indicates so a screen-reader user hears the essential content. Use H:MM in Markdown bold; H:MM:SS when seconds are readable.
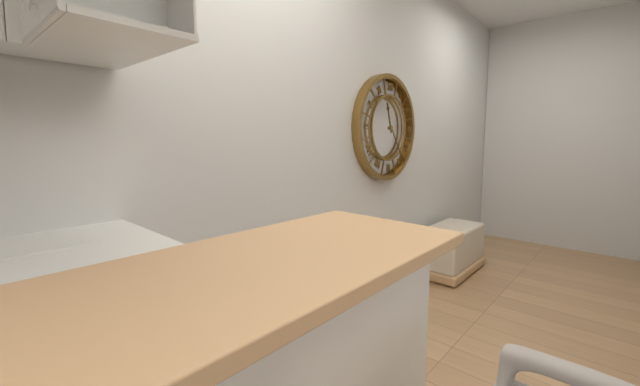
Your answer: **11:24**
